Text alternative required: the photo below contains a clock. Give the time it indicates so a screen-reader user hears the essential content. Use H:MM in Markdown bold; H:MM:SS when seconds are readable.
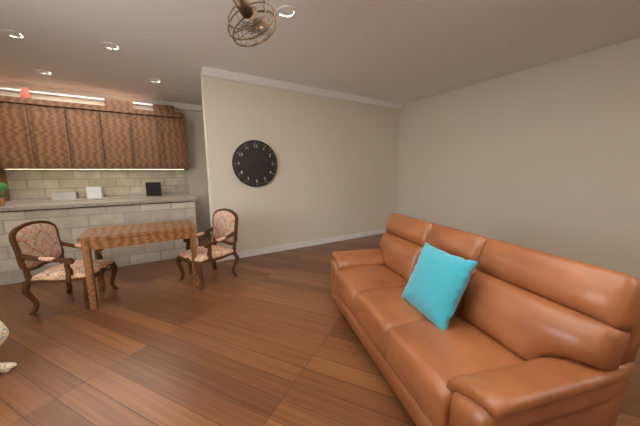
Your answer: **5:38**
